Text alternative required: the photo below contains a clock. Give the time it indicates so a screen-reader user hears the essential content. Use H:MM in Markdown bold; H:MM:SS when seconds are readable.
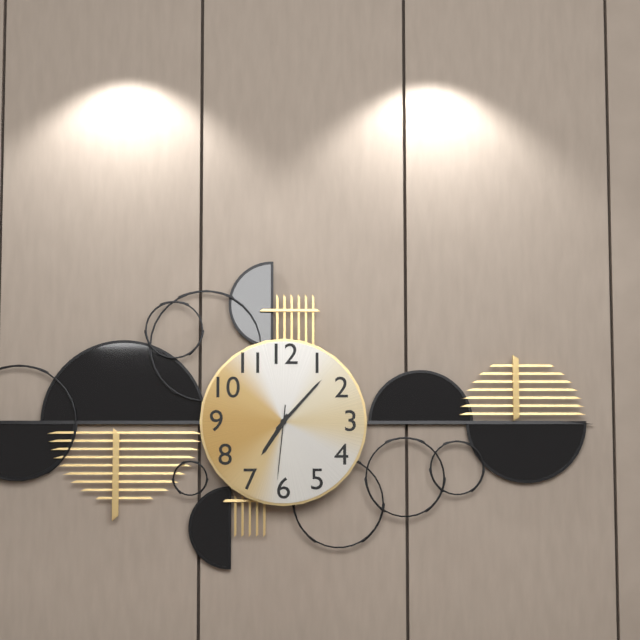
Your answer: **7:07:31**
